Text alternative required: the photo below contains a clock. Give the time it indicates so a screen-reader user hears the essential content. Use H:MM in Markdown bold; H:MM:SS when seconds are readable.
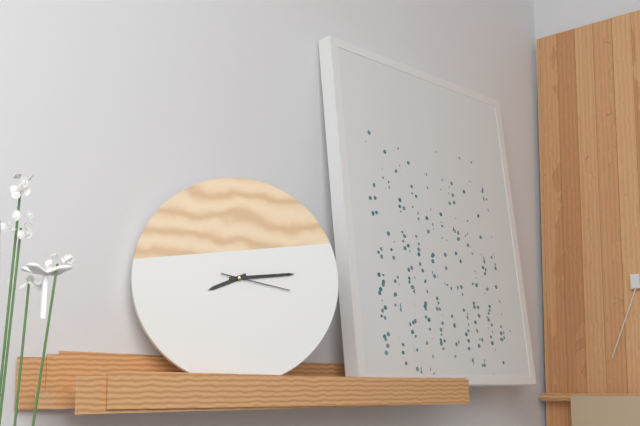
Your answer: **8:14:17**
